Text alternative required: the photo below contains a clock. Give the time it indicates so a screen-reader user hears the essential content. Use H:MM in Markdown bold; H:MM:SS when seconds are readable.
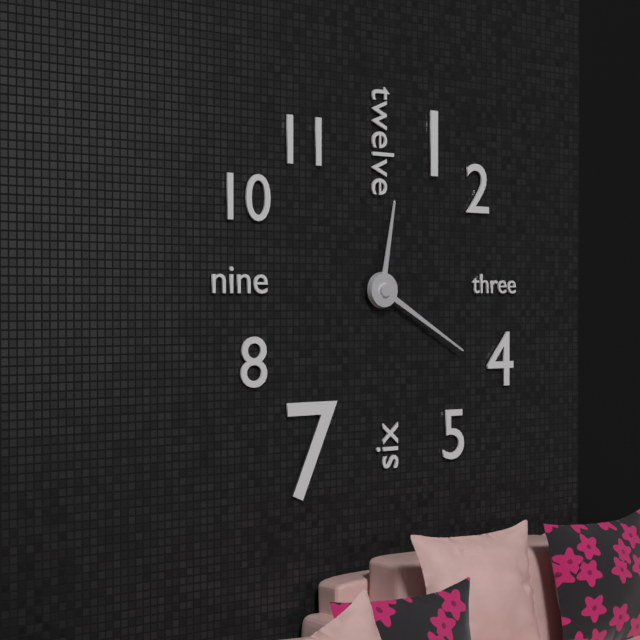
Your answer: **12:20**
